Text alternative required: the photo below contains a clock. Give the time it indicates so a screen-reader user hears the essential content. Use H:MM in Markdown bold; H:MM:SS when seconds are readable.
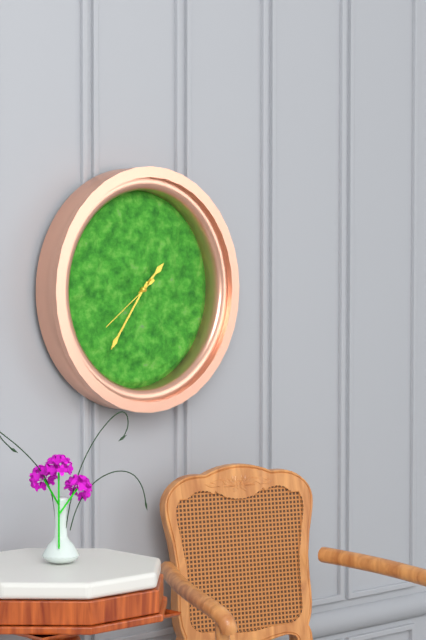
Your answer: **1:36:39**
